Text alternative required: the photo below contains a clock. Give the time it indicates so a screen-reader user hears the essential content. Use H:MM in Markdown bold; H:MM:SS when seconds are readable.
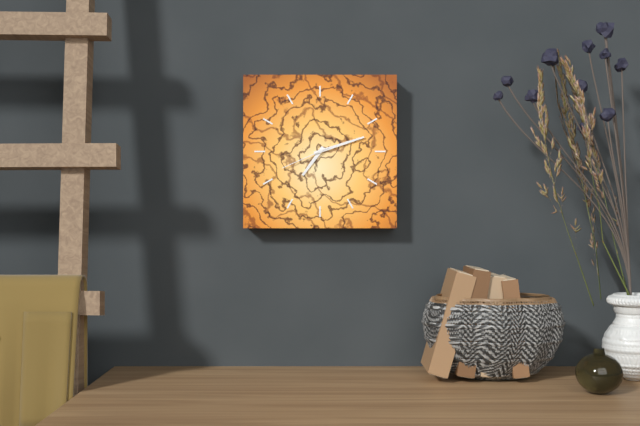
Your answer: **7:12:41**
